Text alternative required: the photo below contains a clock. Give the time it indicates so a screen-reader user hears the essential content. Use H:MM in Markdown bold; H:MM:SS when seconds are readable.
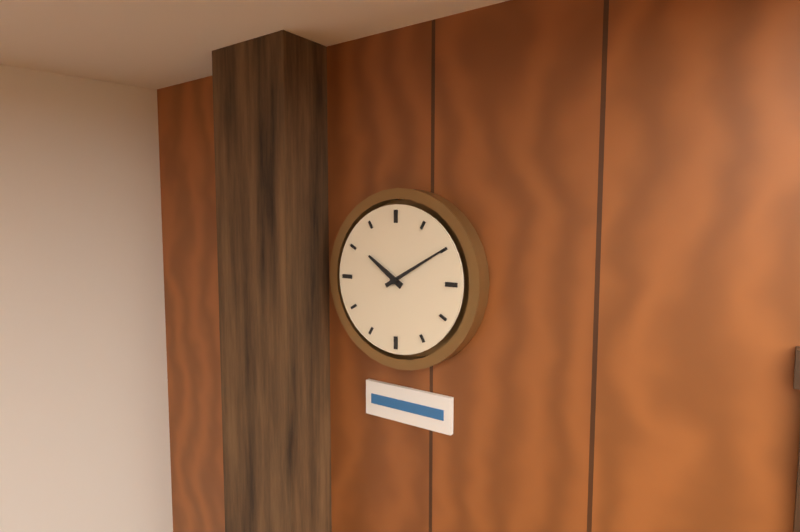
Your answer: **10:10**
